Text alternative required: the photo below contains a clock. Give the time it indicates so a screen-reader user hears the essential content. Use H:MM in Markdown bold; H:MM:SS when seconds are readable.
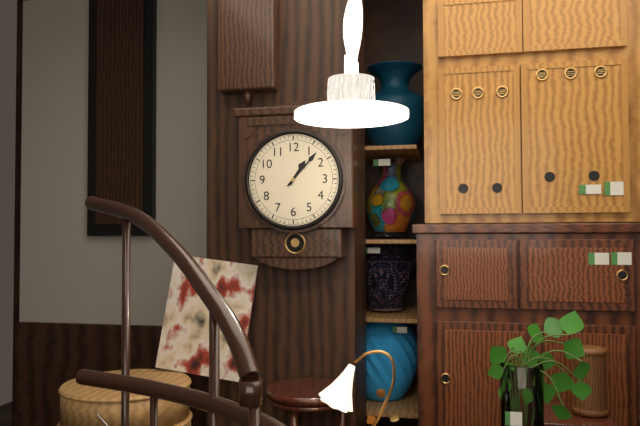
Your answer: **1:07**
